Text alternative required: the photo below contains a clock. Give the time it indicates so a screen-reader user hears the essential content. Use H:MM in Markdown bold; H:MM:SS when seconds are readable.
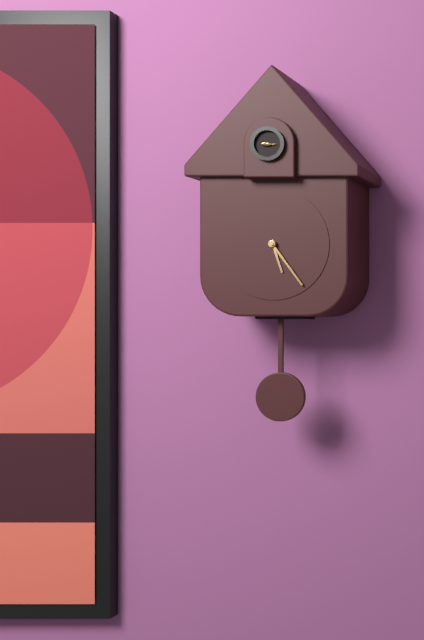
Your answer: **5:24**
